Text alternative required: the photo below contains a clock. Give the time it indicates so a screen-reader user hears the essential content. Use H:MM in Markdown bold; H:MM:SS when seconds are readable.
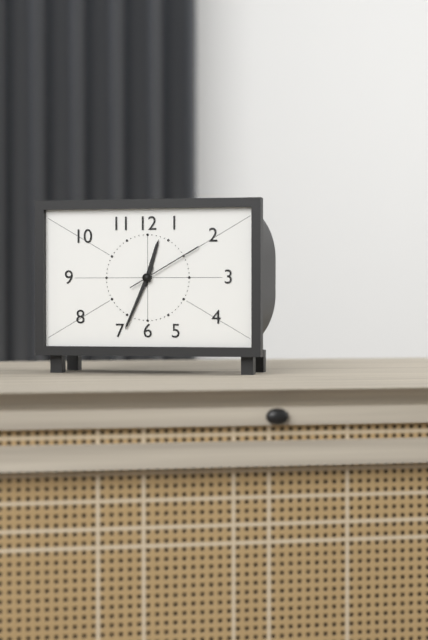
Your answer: **12:34:10**
